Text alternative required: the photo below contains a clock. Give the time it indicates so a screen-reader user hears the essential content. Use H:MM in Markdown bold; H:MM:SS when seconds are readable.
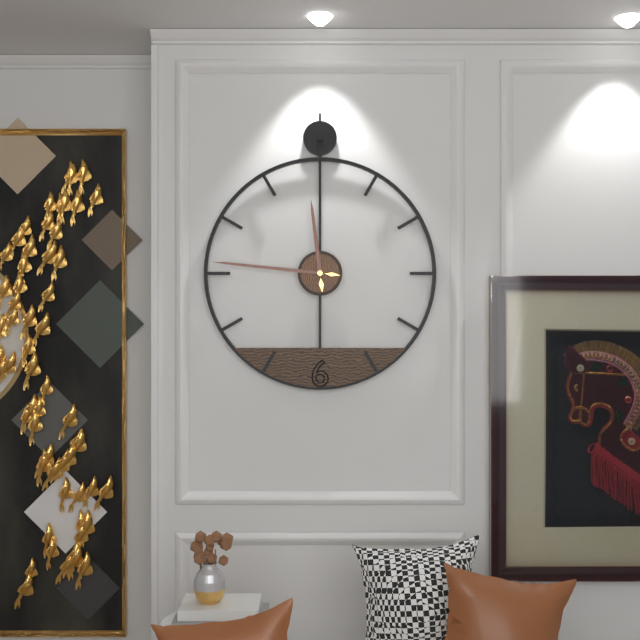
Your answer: **11:46**
